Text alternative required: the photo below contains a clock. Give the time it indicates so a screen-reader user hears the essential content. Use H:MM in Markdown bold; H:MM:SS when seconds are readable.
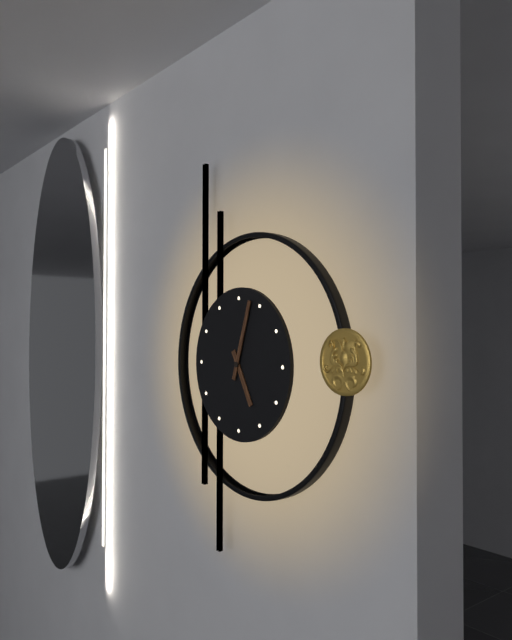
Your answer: **5:03**
